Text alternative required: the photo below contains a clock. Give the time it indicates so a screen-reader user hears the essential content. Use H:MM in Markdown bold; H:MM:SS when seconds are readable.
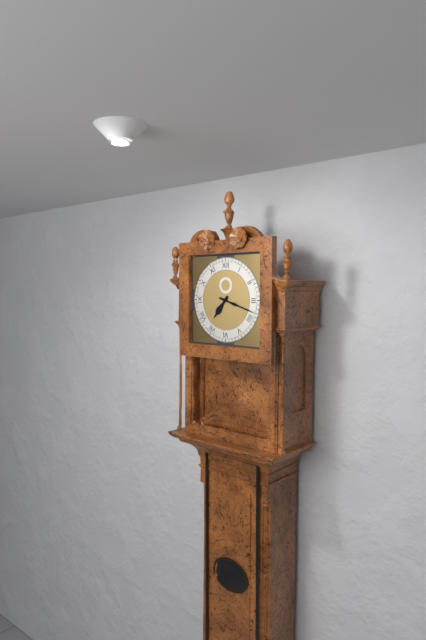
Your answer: **7:18**
